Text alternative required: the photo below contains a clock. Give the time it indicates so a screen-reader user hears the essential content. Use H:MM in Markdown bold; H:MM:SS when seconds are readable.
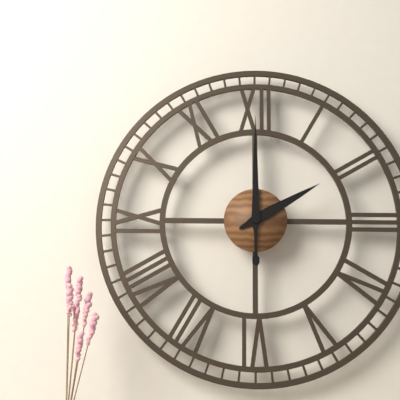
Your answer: **2:00**
